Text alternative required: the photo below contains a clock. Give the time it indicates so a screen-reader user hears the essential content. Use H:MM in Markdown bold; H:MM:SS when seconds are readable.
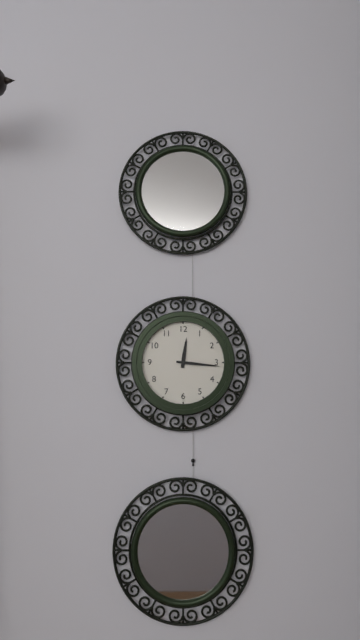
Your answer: **12:16**
